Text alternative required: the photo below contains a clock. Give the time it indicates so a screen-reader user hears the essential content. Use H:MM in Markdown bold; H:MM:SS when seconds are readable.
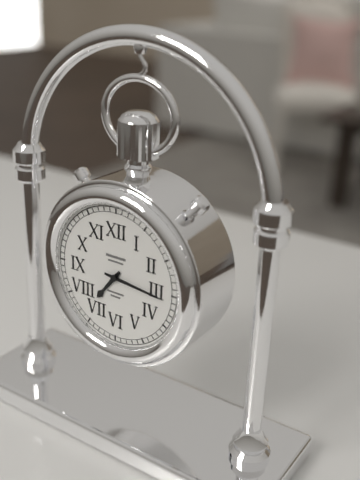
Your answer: **7:16**
